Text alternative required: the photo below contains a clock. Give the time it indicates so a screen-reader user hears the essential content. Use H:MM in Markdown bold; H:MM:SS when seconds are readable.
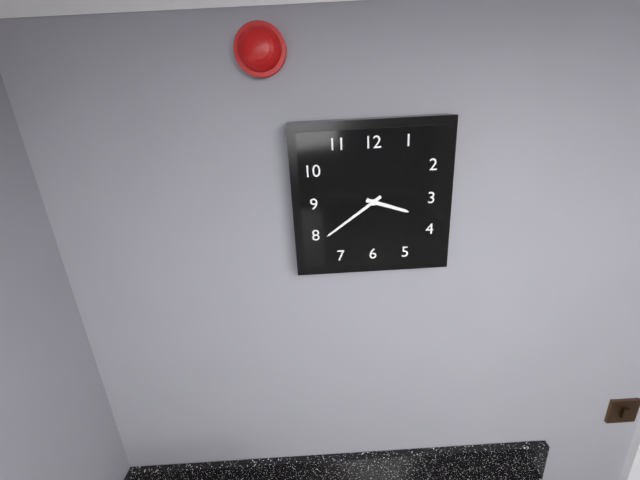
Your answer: **3:39**
